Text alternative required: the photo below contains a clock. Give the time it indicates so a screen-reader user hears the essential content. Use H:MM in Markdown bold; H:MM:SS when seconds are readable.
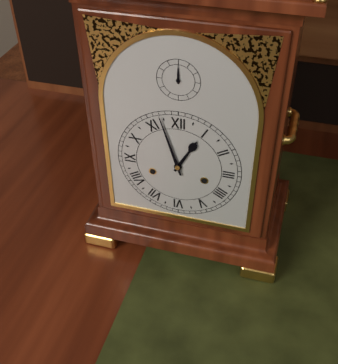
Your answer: **12:57**
